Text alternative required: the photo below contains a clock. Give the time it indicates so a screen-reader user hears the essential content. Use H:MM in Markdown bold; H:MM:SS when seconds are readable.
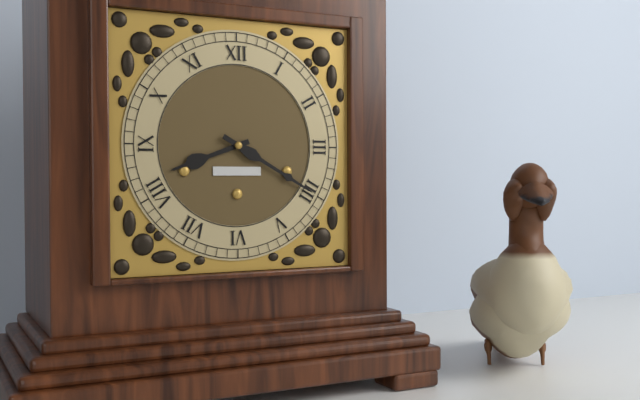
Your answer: **8:20**
